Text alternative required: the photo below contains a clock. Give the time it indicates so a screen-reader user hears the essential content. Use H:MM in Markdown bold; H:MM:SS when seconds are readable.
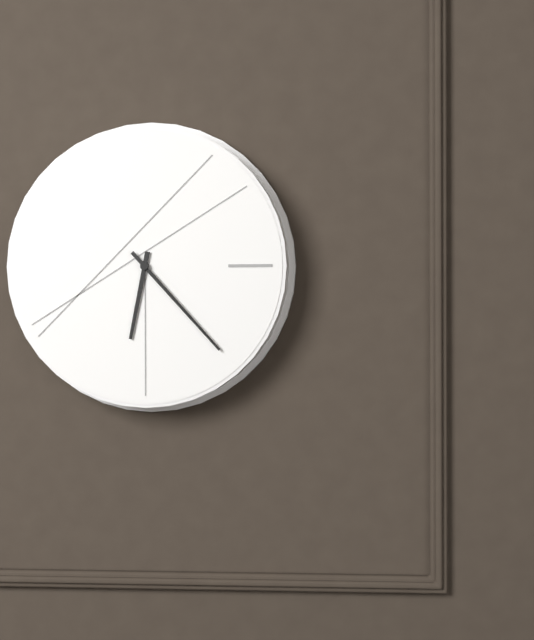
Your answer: **6:23**
